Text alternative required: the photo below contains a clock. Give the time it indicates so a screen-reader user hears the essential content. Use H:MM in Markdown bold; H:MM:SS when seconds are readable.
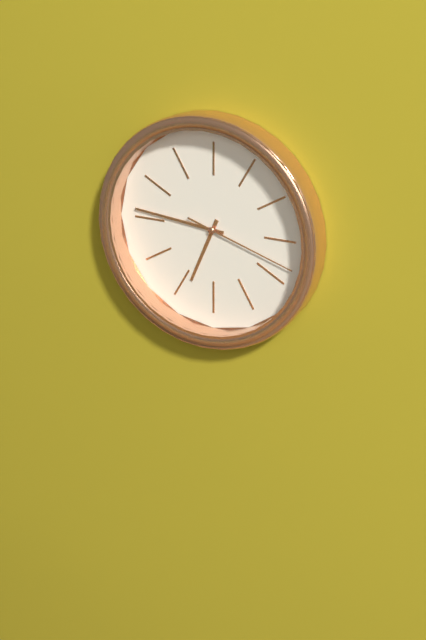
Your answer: **6:46:18**
